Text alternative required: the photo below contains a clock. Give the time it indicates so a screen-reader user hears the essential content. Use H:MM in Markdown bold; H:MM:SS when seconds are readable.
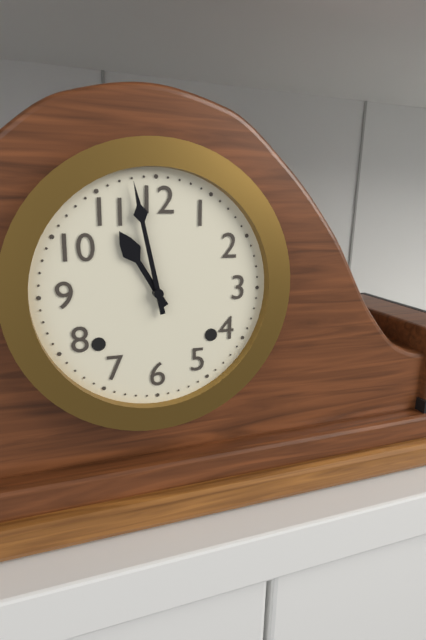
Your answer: **10:58**
